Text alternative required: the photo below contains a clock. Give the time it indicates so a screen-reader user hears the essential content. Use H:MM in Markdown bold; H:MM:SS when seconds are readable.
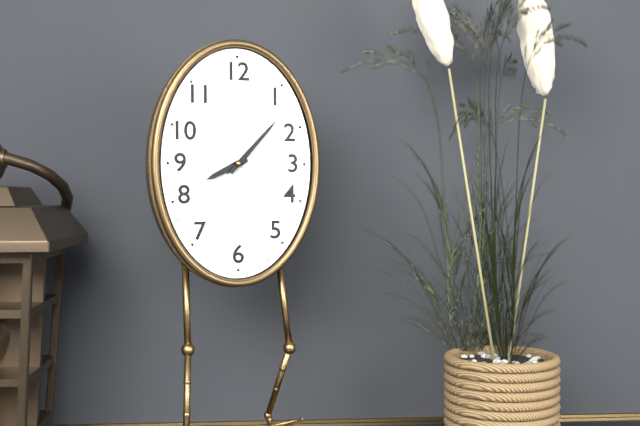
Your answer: **8:07**
